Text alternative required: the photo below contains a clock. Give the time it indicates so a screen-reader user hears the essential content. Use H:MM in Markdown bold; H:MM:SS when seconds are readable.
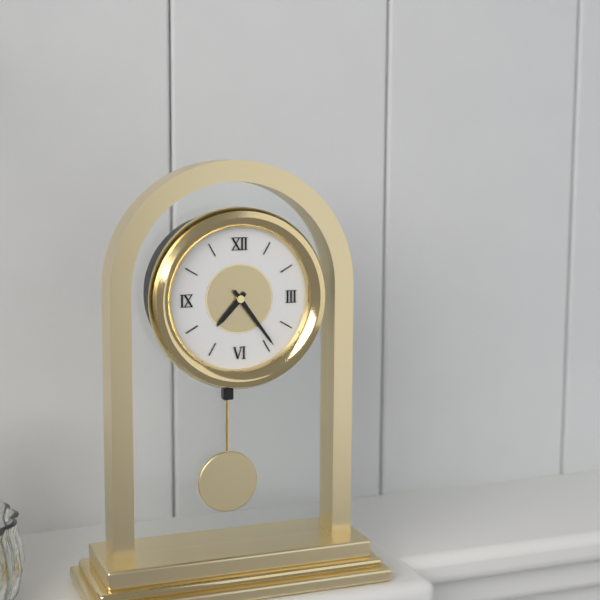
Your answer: **7:24**
